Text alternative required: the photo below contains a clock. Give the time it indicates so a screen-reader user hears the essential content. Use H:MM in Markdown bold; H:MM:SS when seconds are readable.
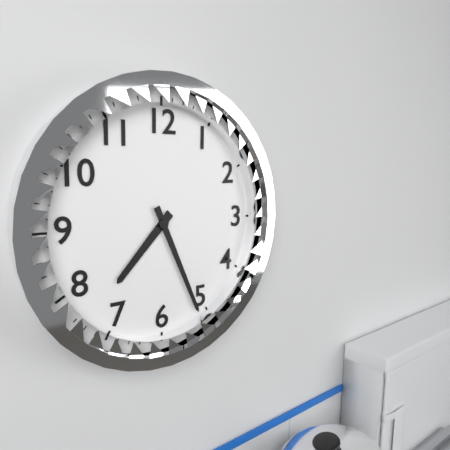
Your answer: **7:26**
